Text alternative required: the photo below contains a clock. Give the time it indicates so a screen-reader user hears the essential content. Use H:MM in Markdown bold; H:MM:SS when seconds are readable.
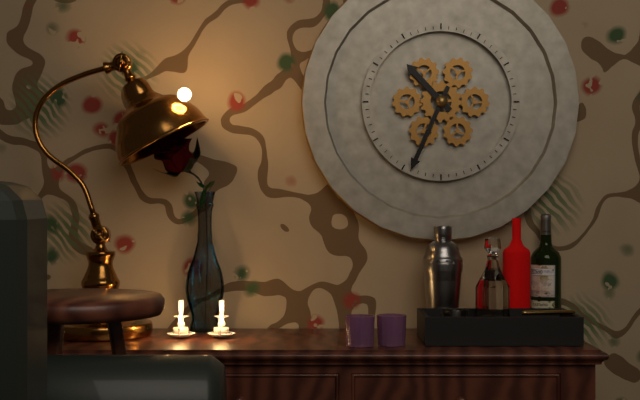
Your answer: **10:34**
